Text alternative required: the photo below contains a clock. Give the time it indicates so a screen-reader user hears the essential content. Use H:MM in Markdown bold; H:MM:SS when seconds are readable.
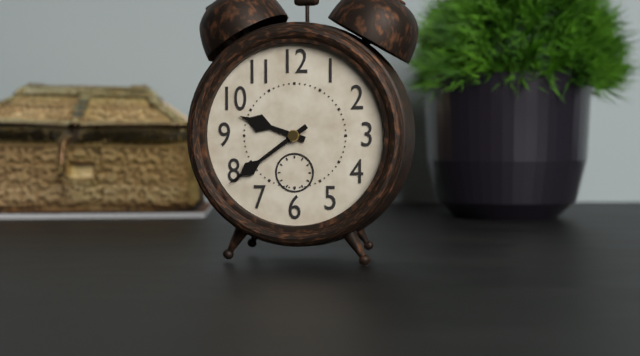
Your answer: **9:39**
